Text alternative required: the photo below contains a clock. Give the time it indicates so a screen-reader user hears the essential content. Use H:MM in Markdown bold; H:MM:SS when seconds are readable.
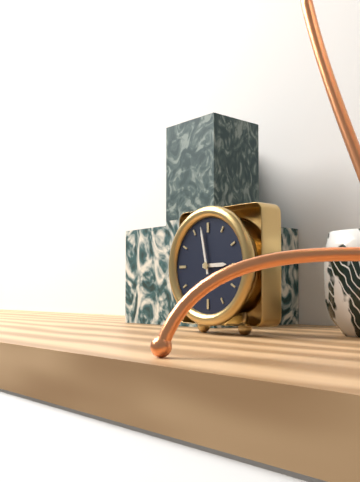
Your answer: **2:58**
